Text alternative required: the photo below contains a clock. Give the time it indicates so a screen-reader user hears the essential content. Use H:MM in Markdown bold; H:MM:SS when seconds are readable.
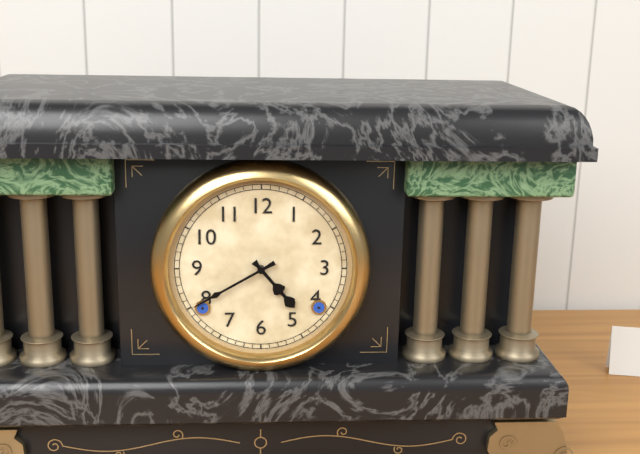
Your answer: **4:40**
